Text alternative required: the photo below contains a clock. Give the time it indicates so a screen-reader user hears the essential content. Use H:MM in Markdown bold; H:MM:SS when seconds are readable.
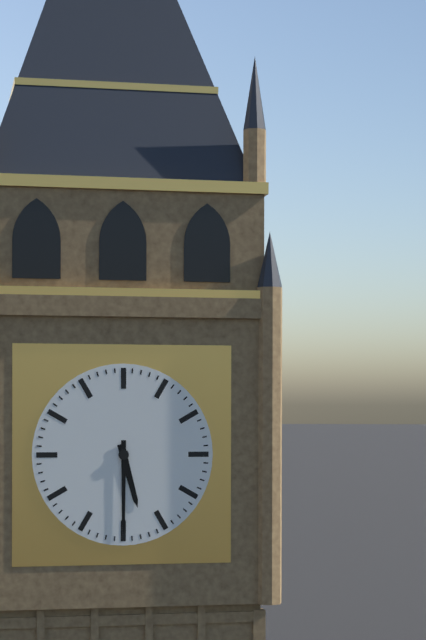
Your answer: **5:30**
